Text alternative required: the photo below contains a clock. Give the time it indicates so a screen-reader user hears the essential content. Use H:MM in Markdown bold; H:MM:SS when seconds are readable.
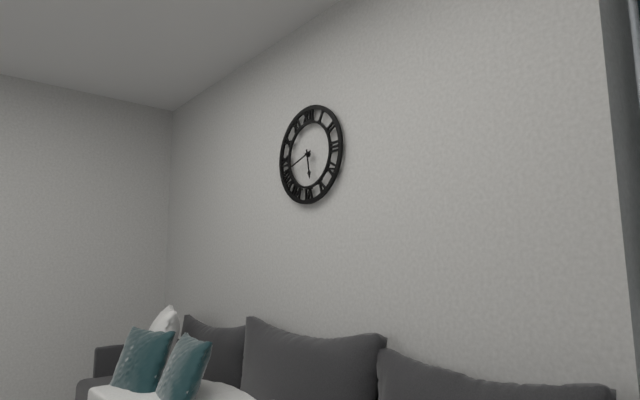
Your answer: **5:42**
